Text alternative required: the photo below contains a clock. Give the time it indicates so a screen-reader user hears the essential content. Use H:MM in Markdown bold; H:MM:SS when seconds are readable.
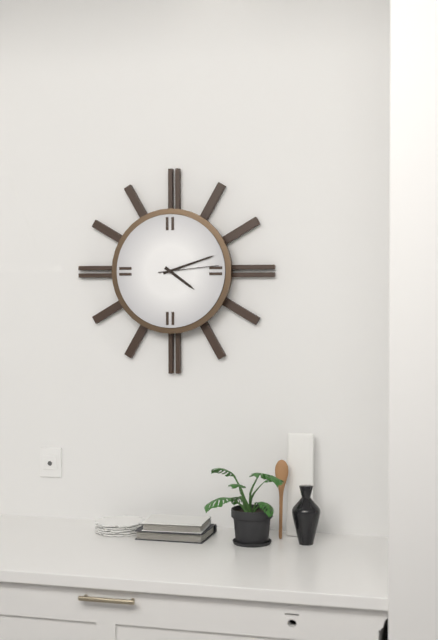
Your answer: **4:12:14**
